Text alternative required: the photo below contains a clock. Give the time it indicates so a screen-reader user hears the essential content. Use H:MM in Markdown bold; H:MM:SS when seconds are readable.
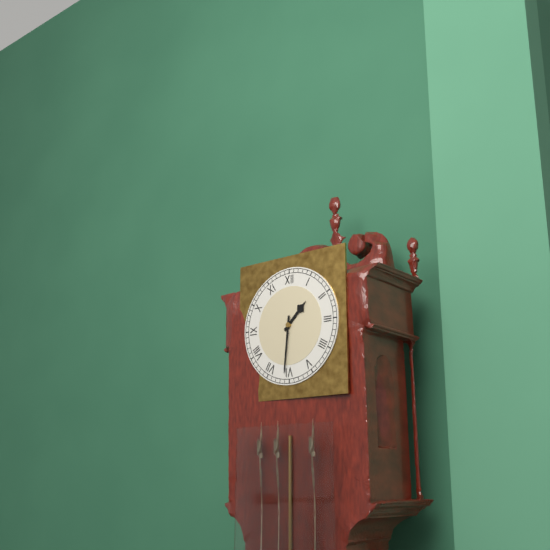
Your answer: **1:31**
